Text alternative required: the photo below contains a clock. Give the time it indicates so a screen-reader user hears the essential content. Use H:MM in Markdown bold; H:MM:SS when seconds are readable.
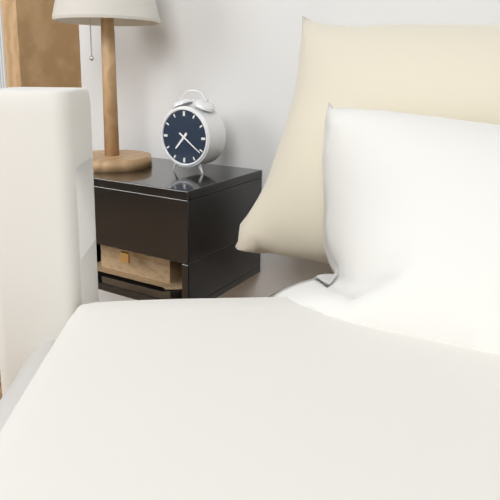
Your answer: **7:21**
